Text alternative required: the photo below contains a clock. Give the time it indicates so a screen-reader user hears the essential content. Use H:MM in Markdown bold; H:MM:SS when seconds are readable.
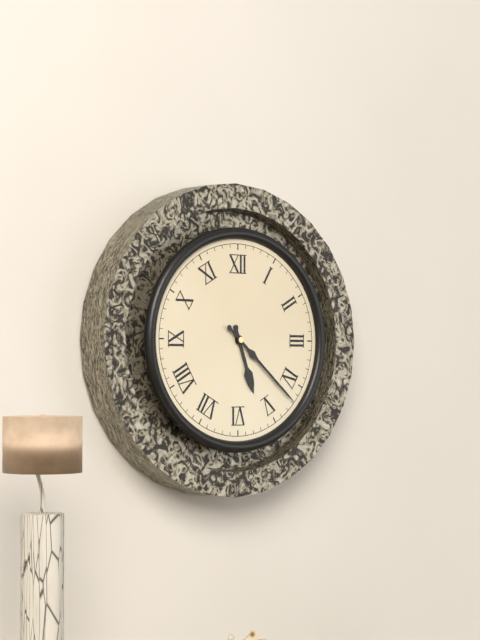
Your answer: **5:22**
